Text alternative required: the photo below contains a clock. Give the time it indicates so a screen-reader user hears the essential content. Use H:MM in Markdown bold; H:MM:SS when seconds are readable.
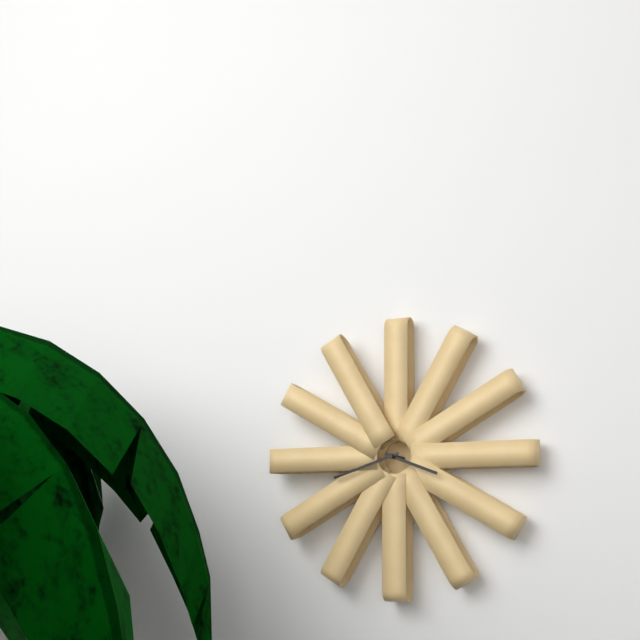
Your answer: **3:42**
